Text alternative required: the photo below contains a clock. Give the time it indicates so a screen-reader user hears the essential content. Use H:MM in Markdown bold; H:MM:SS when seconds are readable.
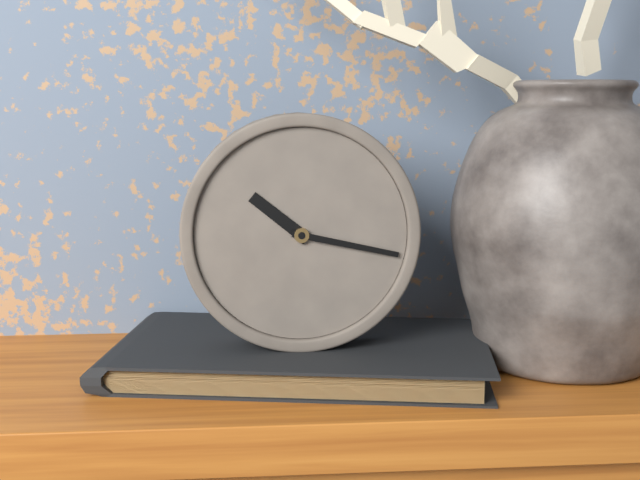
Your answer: **10:17**
